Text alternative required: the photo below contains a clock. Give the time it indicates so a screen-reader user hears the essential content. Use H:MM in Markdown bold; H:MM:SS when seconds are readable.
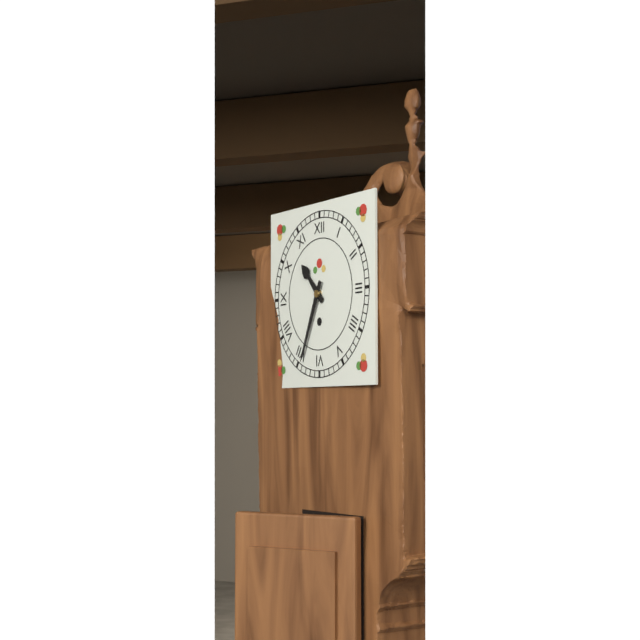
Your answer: **10:34**
